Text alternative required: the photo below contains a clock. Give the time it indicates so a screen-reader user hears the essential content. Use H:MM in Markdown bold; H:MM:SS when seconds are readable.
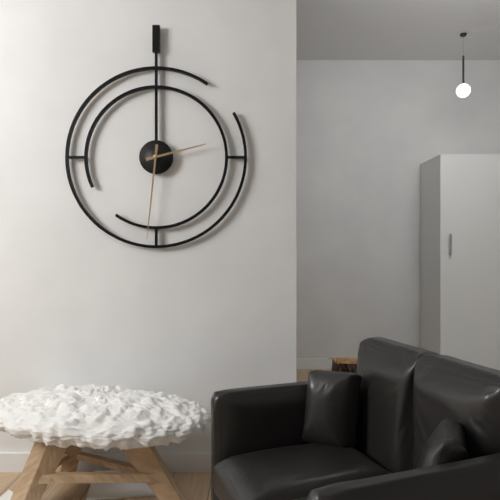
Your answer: **2:31**
